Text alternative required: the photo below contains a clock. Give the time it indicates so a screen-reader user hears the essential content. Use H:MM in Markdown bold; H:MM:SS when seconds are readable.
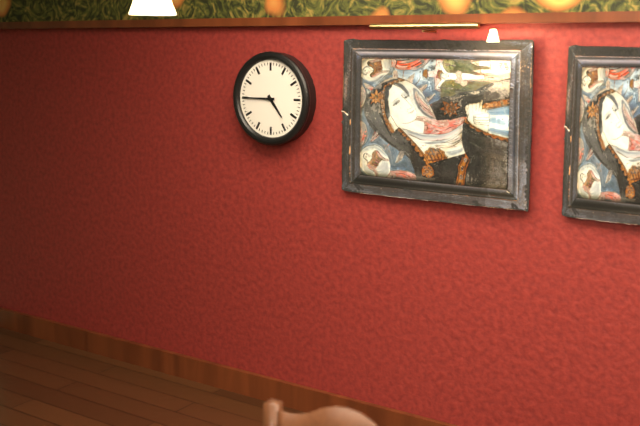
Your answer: **4:45**
